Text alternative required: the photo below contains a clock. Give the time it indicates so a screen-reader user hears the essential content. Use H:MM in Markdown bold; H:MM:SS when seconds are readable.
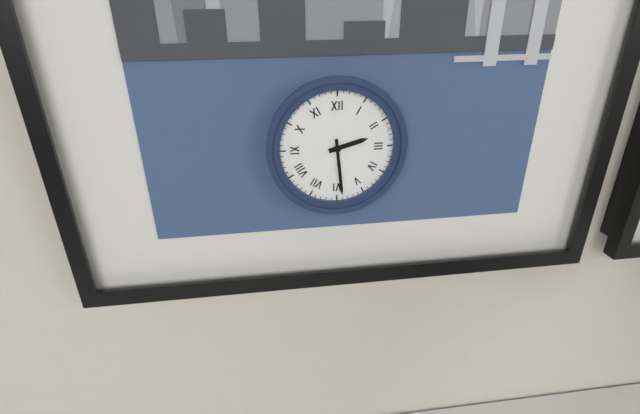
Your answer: **2:29**
